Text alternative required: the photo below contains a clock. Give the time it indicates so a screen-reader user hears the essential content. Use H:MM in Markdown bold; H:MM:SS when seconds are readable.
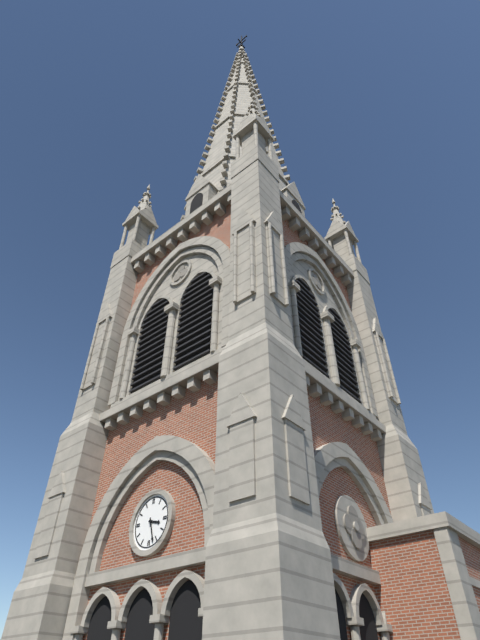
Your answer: **3:27**
